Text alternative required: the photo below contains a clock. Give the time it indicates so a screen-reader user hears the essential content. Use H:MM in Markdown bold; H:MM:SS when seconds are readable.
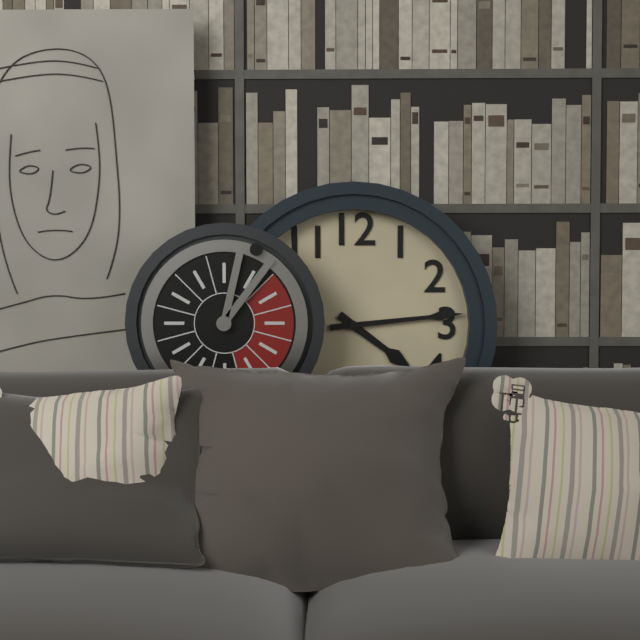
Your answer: **4:14**
